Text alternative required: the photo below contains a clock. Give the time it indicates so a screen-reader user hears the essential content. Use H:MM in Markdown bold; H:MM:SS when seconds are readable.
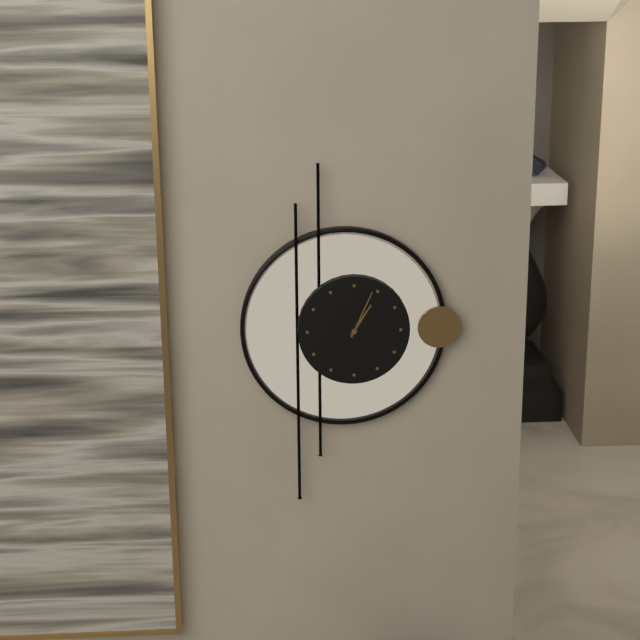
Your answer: **1:04**
